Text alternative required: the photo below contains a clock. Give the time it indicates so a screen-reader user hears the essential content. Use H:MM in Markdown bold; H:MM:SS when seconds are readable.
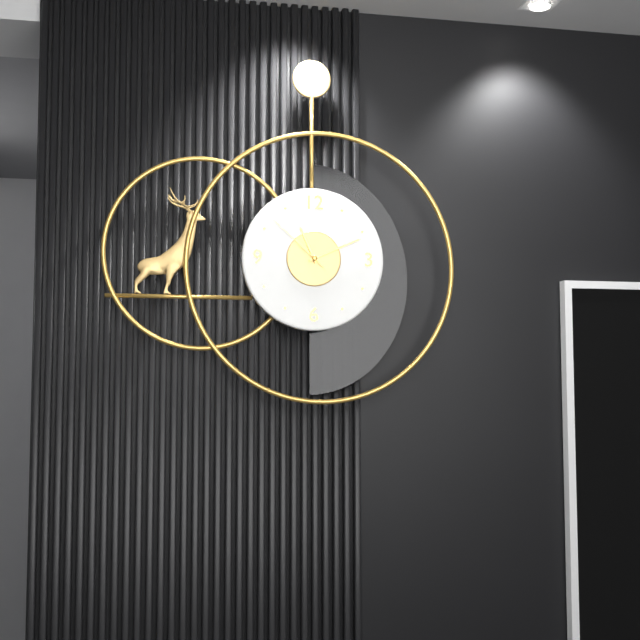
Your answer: **11:11:52**
